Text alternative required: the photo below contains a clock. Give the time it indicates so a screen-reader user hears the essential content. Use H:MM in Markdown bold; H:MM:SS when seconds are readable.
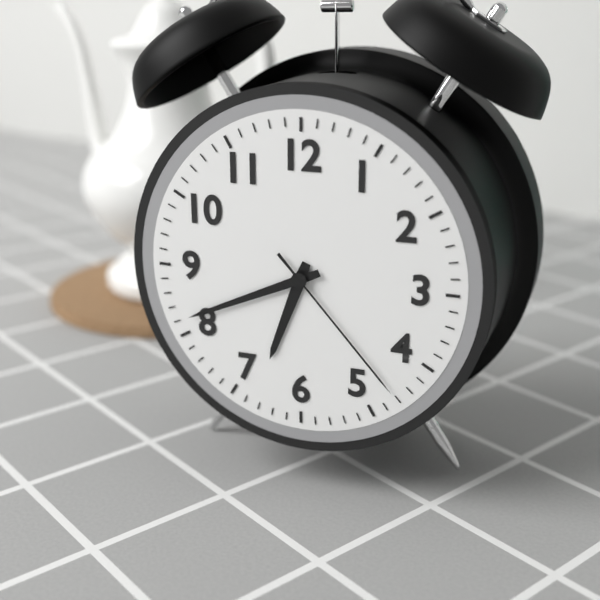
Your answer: **6:41:23**
